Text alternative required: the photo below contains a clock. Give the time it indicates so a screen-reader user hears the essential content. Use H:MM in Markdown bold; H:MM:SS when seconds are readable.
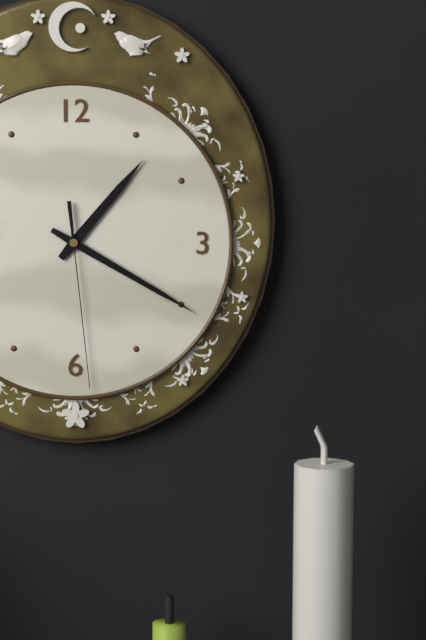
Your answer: **1:20:29**
